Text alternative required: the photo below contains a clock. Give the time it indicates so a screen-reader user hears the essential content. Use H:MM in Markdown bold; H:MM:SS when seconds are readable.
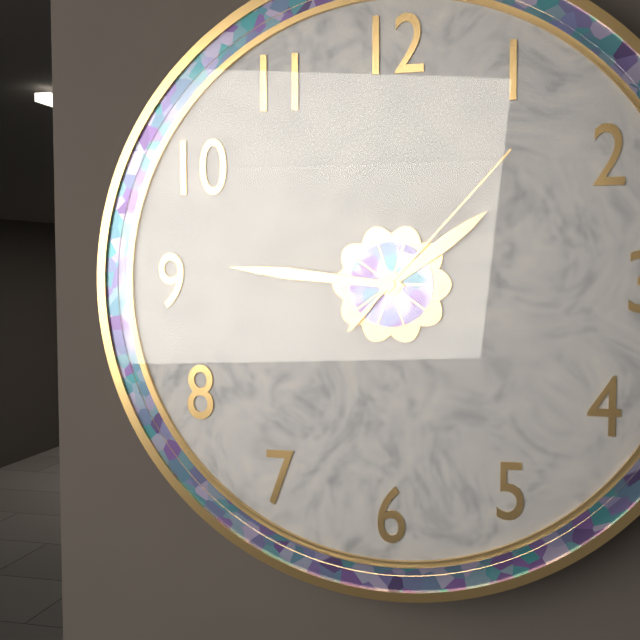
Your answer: **1:46:07**
